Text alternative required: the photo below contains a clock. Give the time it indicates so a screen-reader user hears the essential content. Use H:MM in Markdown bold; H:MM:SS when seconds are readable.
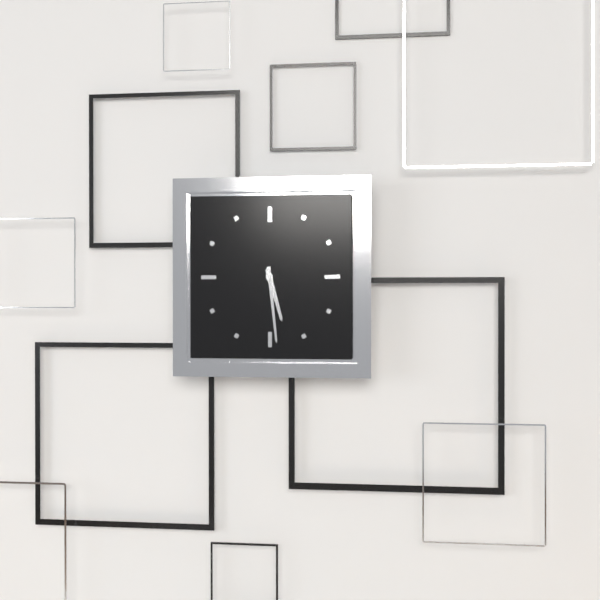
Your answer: **5:29**
